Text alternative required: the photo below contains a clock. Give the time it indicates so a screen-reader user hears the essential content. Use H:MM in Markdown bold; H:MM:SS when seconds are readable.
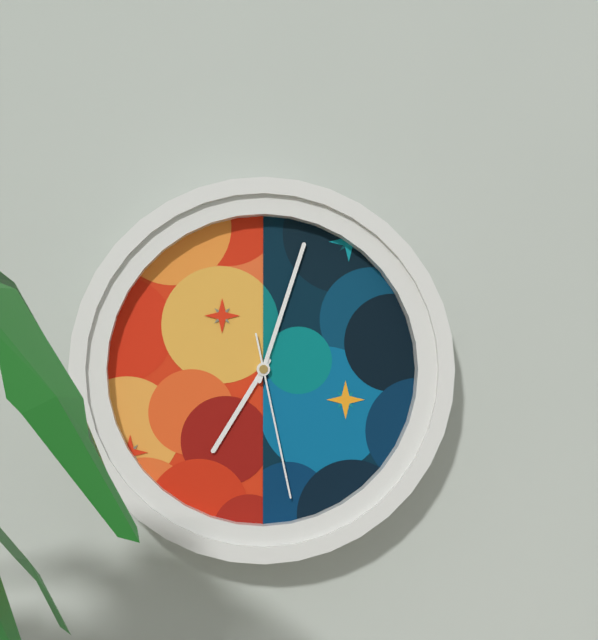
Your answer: **7:03:28**
